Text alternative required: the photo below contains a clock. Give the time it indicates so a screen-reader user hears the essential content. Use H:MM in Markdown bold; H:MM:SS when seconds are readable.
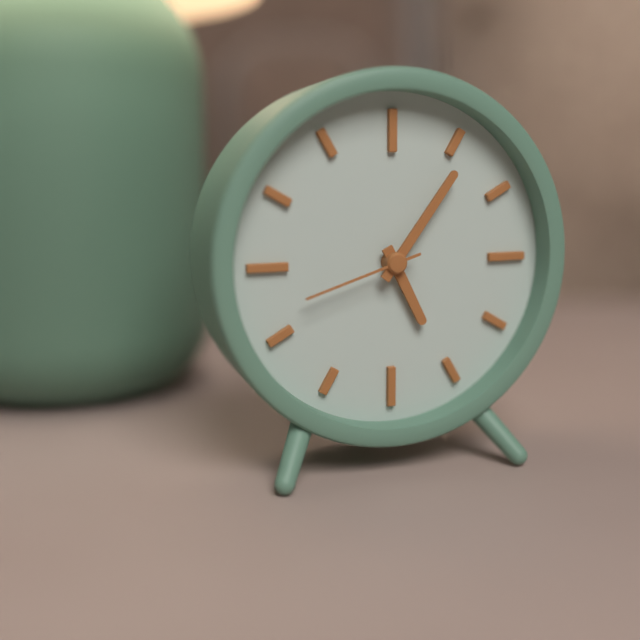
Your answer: **5:06:42**
